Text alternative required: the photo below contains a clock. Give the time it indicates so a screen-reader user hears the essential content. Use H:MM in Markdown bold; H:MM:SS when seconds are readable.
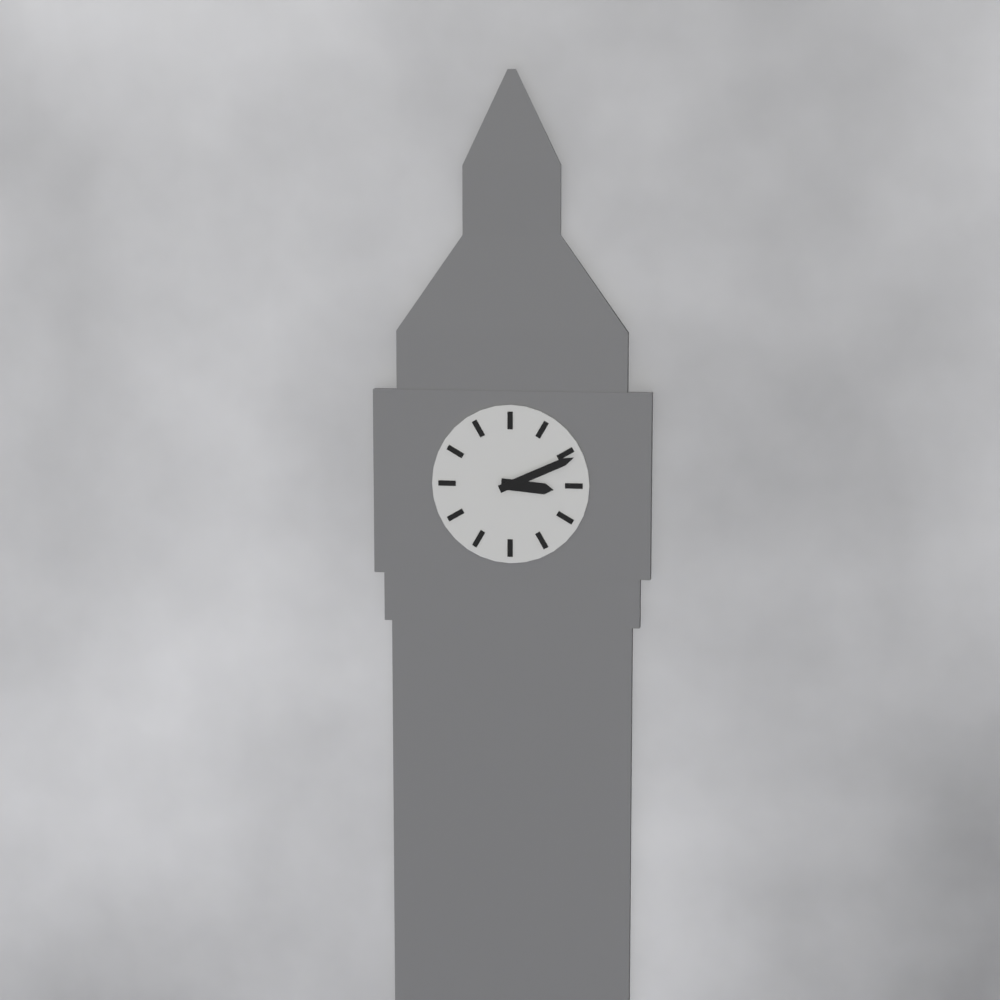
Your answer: **3:11**
